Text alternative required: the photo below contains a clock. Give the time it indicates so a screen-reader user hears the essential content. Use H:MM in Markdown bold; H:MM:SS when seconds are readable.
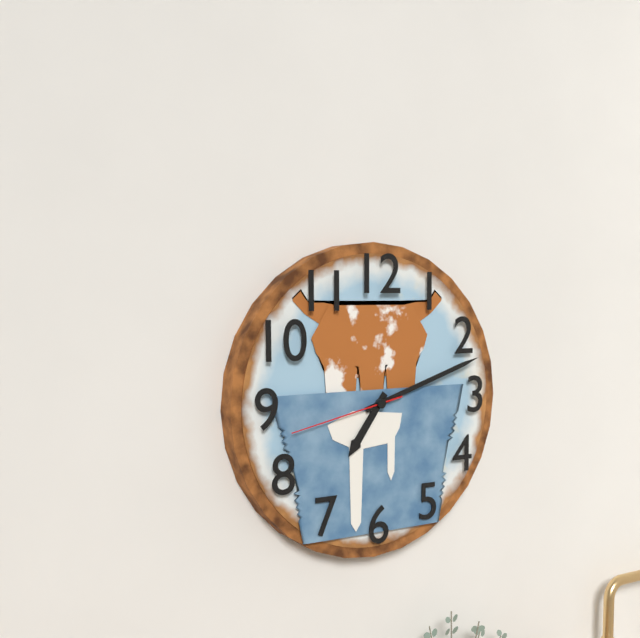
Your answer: **7:12:43**
